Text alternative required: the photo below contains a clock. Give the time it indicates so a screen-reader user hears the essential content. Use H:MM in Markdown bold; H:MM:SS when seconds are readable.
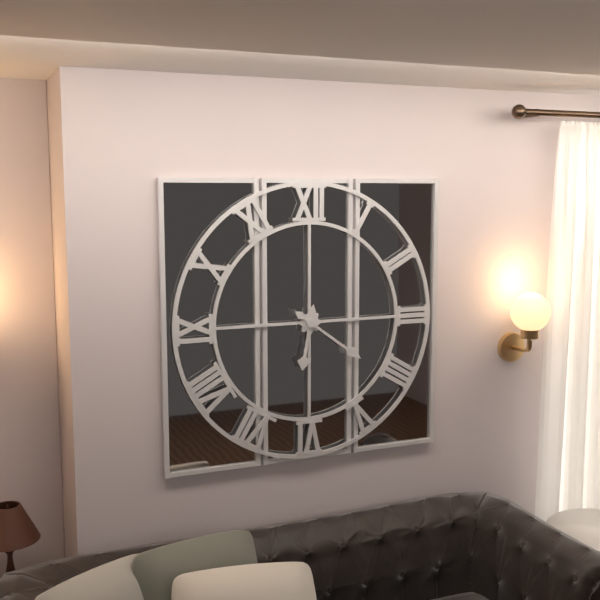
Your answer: **6:21**
